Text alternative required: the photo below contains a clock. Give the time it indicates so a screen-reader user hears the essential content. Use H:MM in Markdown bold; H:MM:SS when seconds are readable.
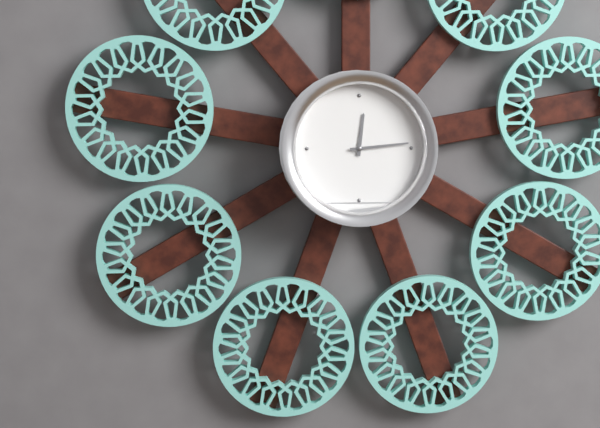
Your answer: **12:14**
